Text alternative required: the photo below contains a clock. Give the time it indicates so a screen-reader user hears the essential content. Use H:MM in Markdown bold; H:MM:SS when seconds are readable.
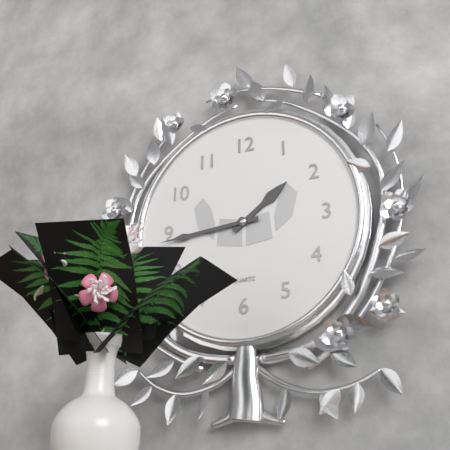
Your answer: **1:44**
